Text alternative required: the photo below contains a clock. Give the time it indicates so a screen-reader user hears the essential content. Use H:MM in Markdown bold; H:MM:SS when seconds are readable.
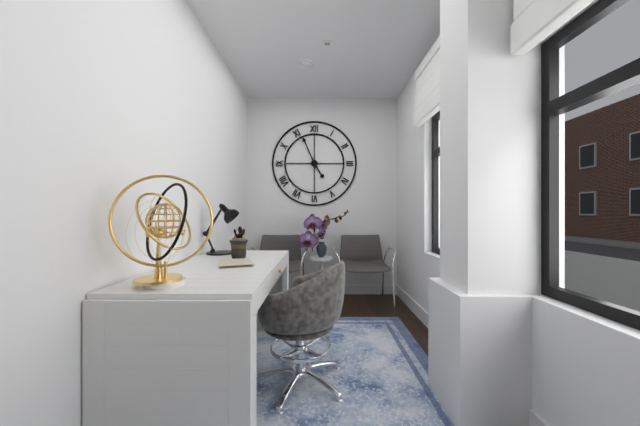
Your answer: **4:56**
